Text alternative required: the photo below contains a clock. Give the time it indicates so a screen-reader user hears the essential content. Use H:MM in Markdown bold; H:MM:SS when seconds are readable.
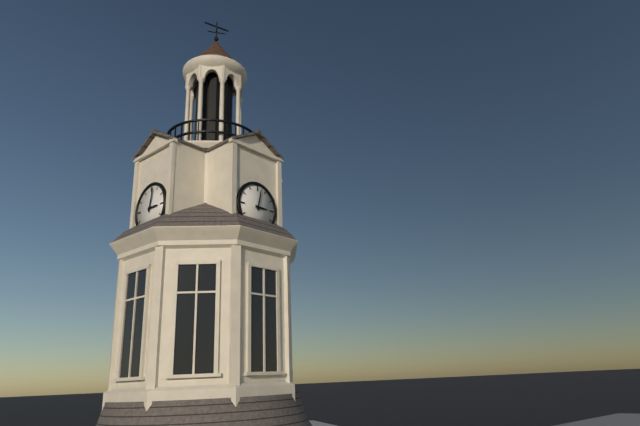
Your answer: **3:02**
